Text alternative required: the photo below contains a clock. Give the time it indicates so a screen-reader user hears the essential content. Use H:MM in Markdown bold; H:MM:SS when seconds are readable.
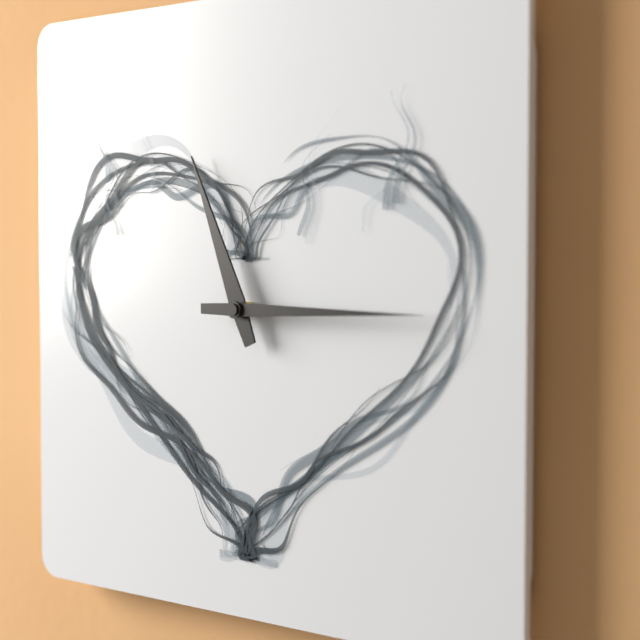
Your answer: **11:15**
